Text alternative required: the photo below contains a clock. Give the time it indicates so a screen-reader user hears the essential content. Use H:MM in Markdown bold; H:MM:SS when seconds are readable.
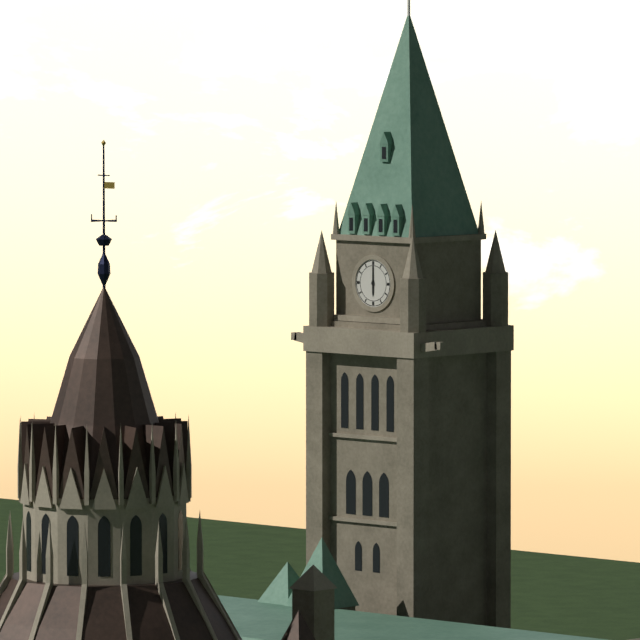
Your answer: **6:00**
